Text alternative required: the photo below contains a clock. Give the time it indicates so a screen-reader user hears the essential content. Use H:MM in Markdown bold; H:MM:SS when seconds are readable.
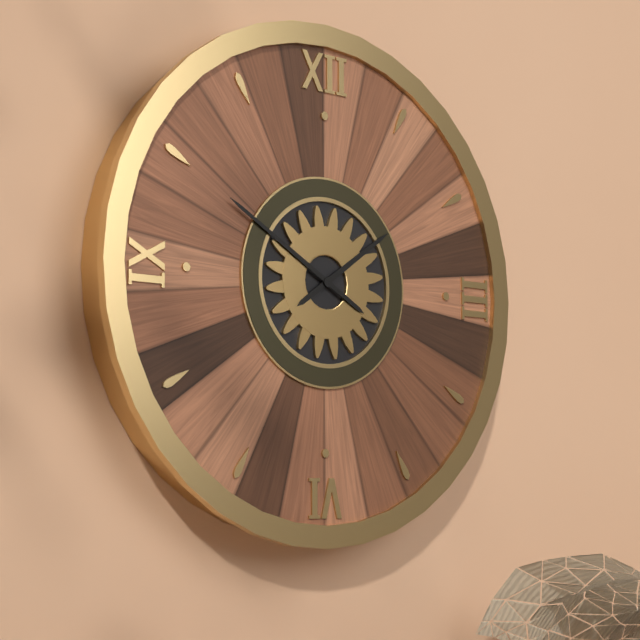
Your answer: **1:50**
